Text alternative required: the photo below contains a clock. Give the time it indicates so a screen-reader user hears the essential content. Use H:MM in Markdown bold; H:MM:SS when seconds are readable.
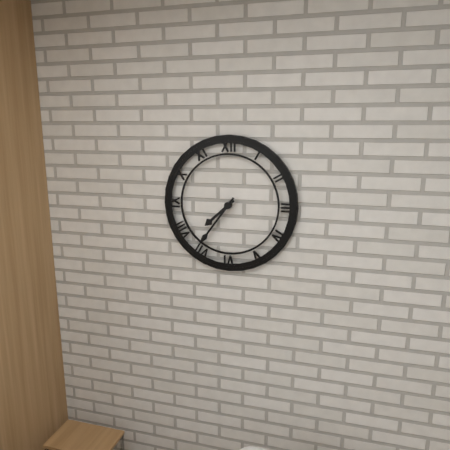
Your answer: **7:36**
